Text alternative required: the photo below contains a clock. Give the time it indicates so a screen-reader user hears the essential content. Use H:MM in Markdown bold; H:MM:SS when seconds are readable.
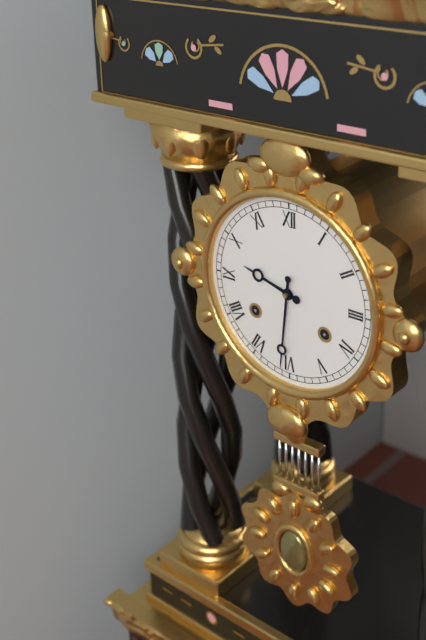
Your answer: **9:31**
